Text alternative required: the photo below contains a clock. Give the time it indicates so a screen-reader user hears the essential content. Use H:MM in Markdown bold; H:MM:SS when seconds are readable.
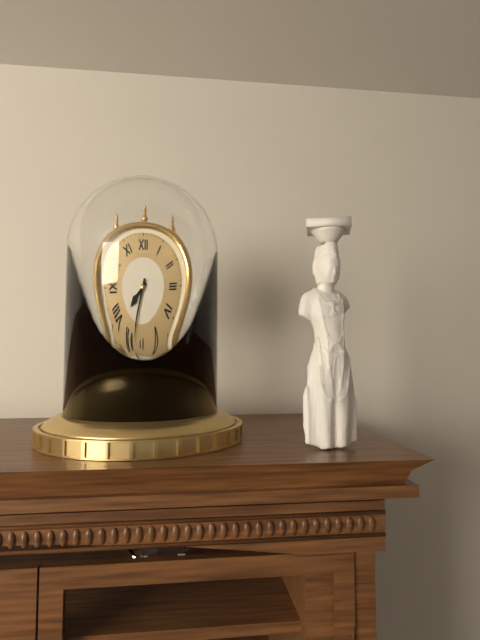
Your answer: **7:33**
